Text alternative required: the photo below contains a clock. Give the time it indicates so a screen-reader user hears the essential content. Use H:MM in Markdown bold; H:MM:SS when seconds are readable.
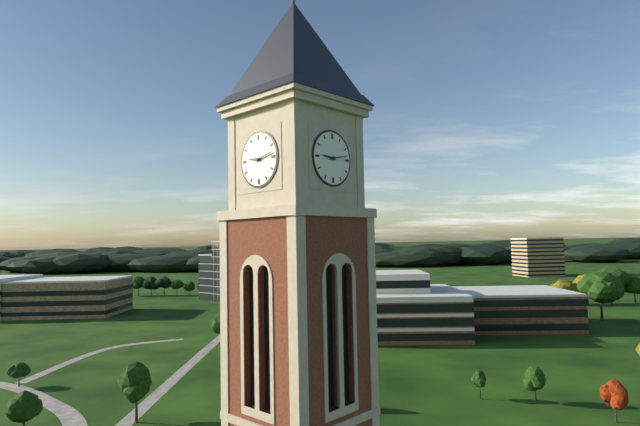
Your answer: **9:13**
